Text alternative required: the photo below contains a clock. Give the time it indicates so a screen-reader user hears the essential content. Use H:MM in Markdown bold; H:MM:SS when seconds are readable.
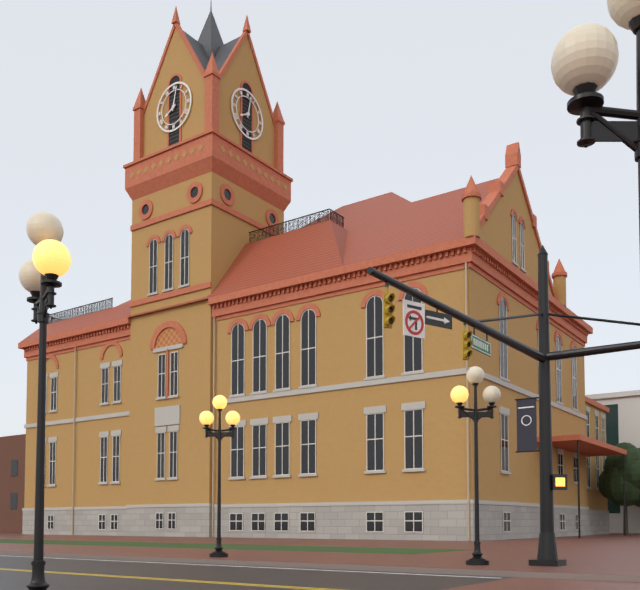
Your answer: **8:02**
